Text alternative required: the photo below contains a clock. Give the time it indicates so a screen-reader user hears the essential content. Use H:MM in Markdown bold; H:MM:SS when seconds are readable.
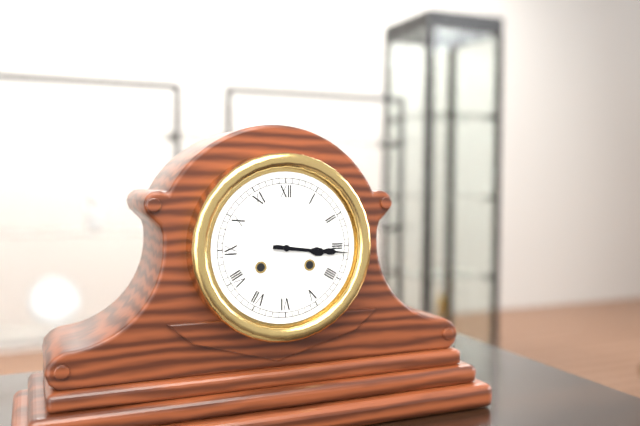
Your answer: **3:16**
